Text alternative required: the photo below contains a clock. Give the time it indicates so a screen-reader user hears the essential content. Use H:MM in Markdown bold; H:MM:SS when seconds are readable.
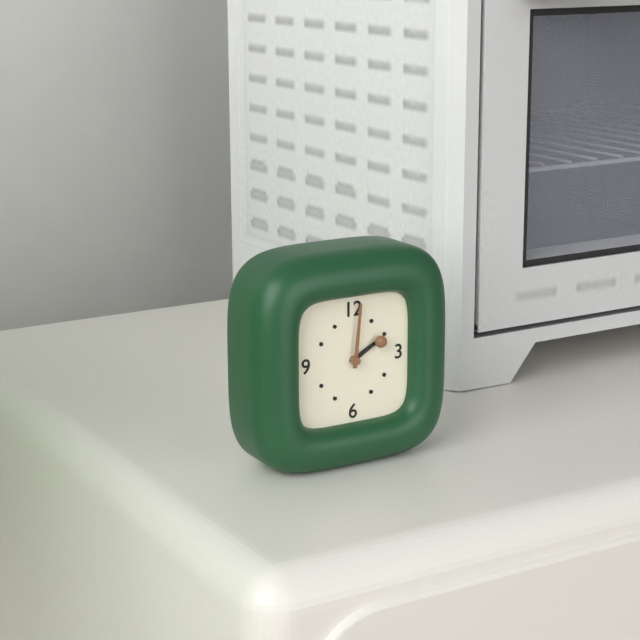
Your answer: **2:01**
